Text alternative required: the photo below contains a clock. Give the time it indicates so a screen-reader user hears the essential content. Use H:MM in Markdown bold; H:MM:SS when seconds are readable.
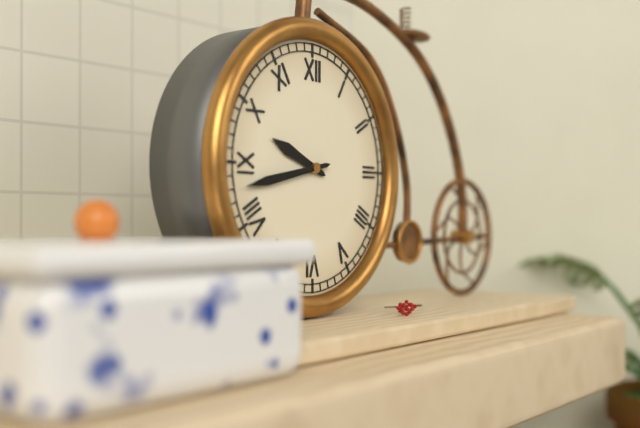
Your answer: **9:43**
